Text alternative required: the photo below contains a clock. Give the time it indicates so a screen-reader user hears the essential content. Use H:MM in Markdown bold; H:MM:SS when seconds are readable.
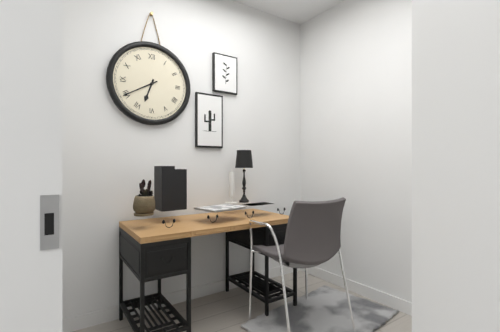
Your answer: **6:40**
